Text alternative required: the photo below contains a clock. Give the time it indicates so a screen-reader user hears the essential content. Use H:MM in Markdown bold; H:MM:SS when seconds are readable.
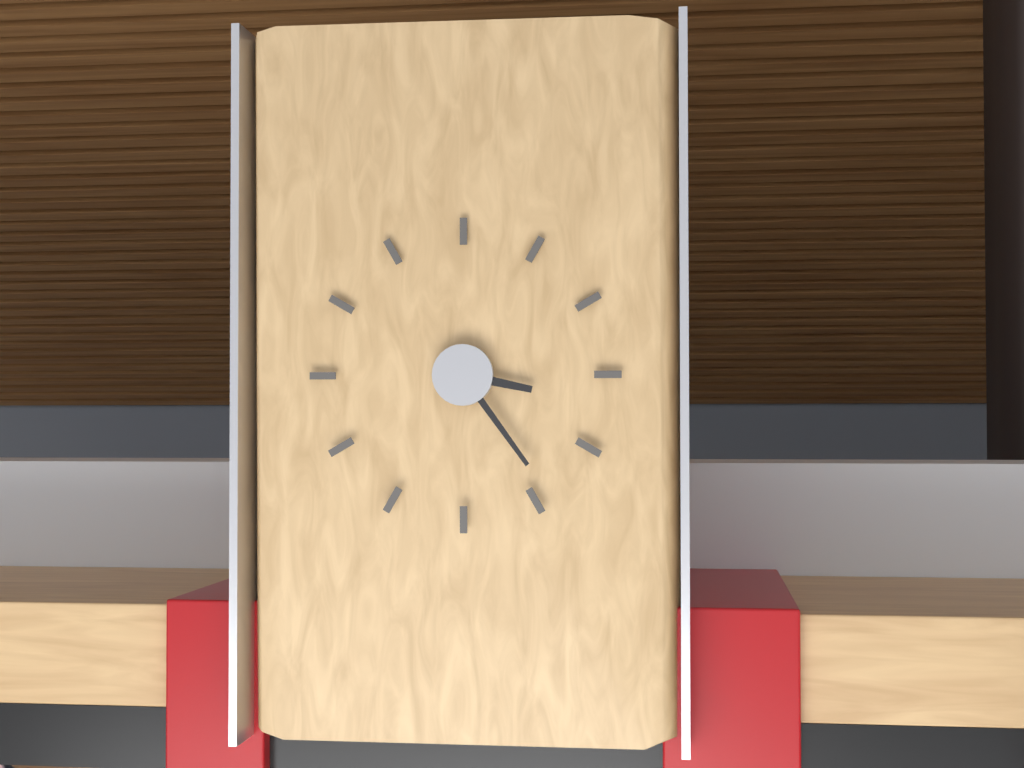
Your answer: **3:24**
